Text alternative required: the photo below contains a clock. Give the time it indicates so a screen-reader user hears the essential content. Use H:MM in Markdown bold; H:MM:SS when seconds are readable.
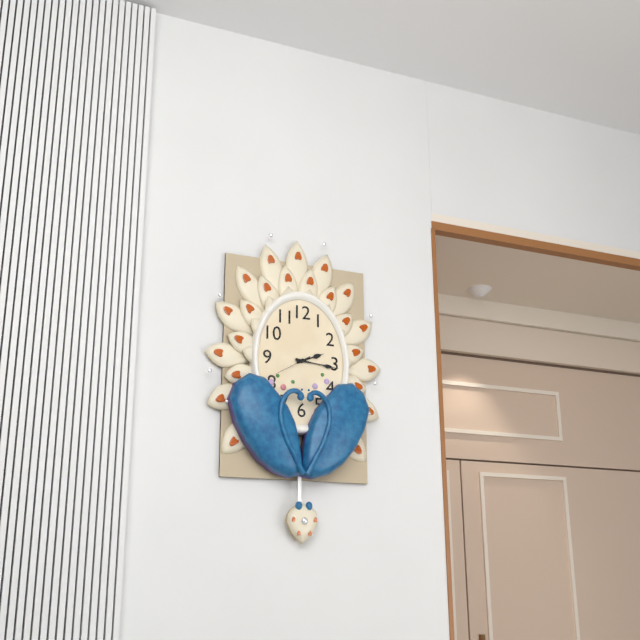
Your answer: **2:16**
